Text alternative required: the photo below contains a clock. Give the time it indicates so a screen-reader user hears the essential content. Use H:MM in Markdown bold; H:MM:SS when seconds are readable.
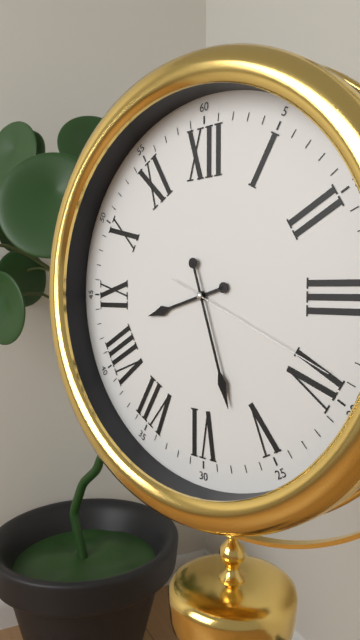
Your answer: **8:27:19**
